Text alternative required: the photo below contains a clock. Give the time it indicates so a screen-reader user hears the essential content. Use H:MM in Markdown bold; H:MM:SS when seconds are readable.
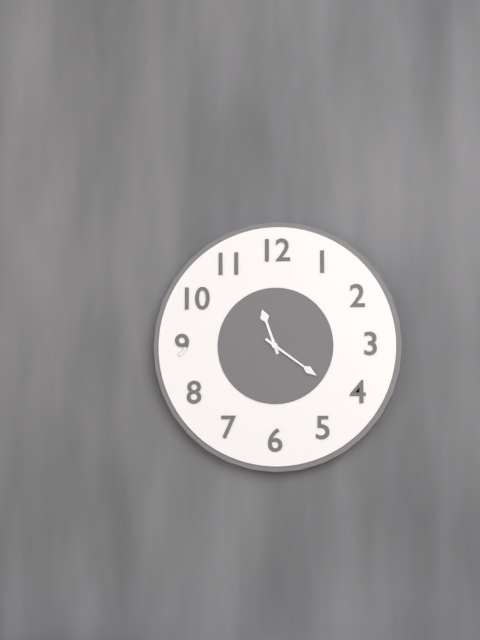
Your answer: **11:21**
